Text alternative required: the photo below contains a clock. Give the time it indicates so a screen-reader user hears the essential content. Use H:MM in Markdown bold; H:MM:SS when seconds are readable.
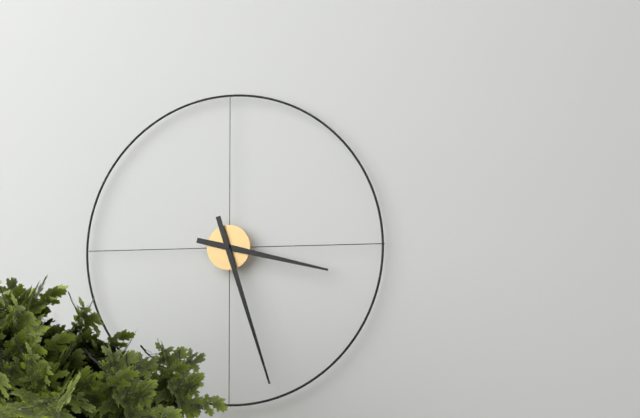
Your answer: **3:27**
